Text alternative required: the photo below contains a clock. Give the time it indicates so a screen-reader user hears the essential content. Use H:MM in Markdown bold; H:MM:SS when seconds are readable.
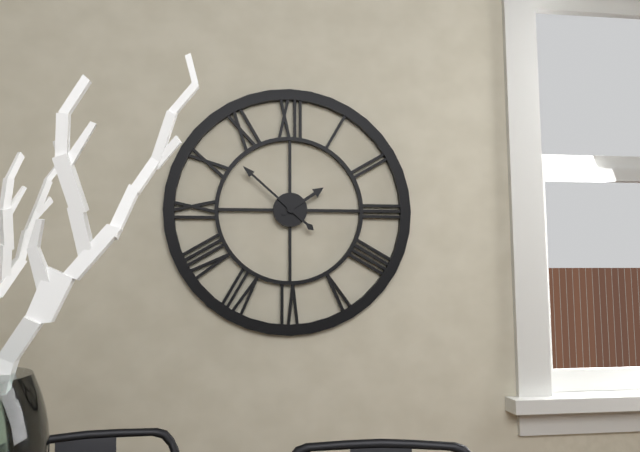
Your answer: **1:52**
